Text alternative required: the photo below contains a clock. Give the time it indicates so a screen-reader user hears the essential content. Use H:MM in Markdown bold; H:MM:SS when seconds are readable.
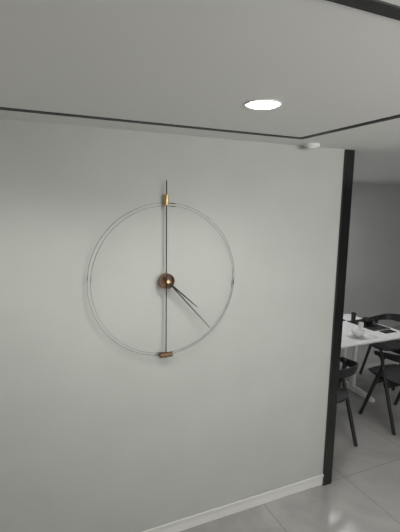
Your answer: **4:23**
